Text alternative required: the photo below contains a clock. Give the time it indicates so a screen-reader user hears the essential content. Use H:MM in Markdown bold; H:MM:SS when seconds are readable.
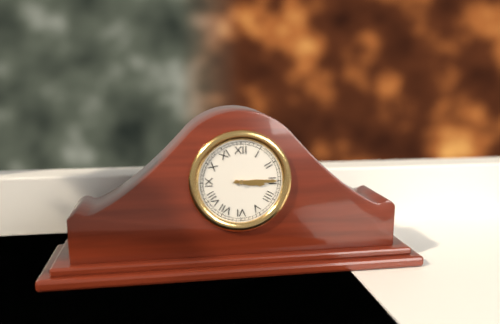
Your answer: **3:15**
